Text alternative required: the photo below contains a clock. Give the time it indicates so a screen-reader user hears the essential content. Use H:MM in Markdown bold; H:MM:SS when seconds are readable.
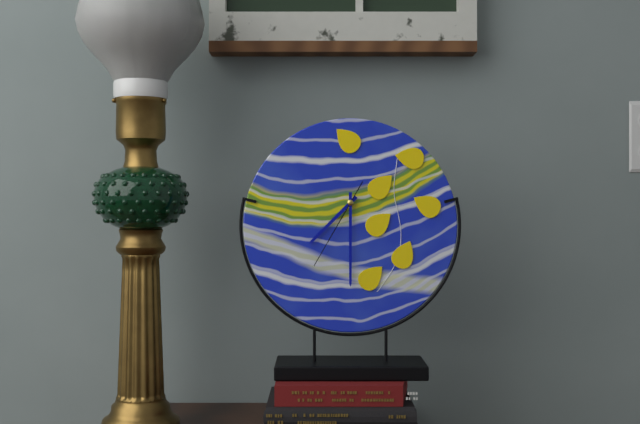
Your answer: **7:30:35**
